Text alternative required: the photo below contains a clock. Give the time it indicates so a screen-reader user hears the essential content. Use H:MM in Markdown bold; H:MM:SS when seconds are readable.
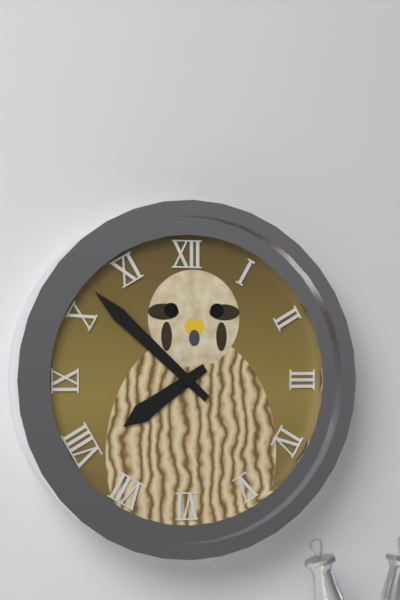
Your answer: **7:52**
